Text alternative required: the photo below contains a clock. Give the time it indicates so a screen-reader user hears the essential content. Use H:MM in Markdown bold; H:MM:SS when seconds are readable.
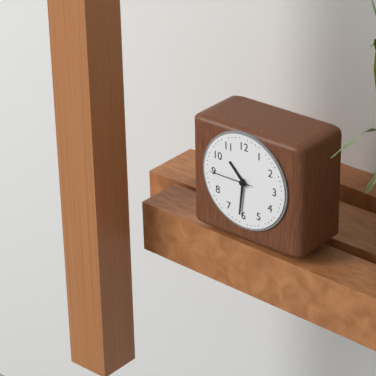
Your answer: **10:31**
